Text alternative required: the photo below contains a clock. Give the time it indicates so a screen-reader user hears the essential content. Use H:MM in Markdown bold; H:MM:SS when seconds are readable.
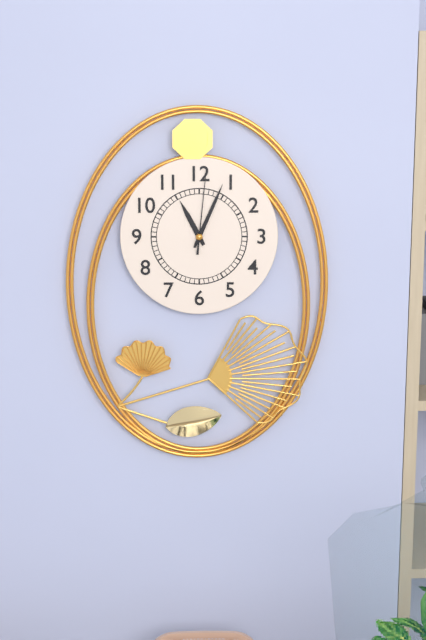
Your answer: **11:04:01**
